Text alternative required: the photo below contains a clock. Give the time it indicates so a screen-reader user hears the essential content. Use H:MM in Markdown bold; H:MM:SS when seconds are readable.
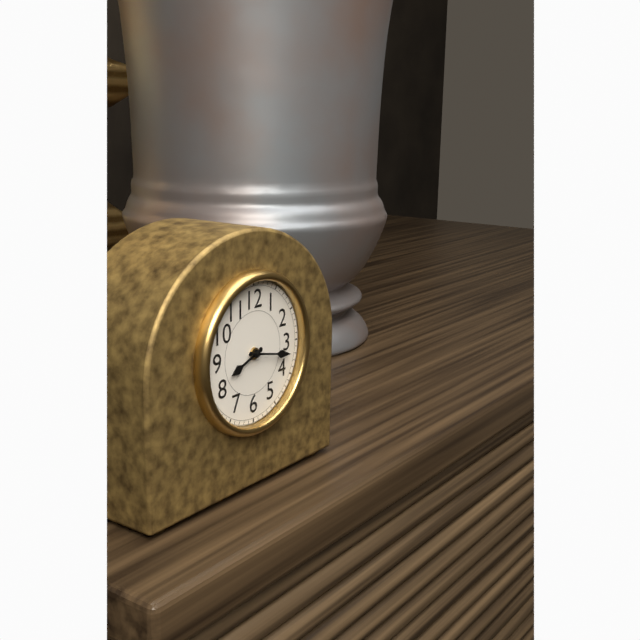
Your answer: **8:17**
